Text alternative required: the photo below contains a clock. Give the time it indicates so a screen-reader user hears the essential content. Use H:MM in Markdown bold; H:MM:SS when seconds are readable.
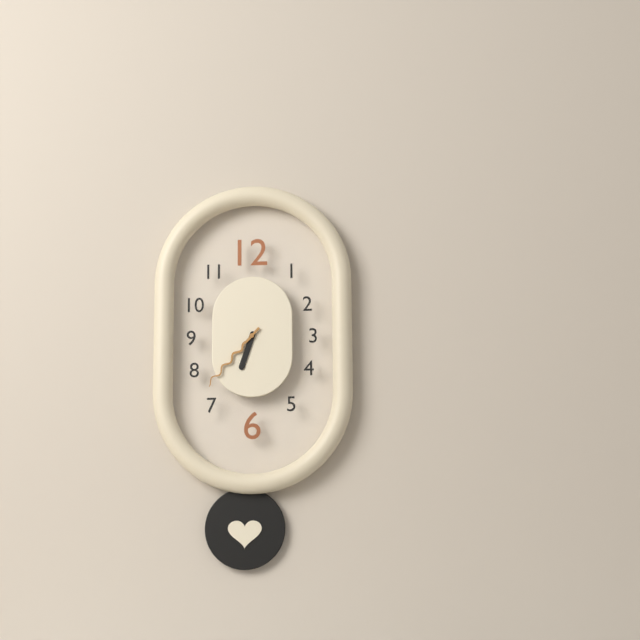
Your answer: **6:37**
